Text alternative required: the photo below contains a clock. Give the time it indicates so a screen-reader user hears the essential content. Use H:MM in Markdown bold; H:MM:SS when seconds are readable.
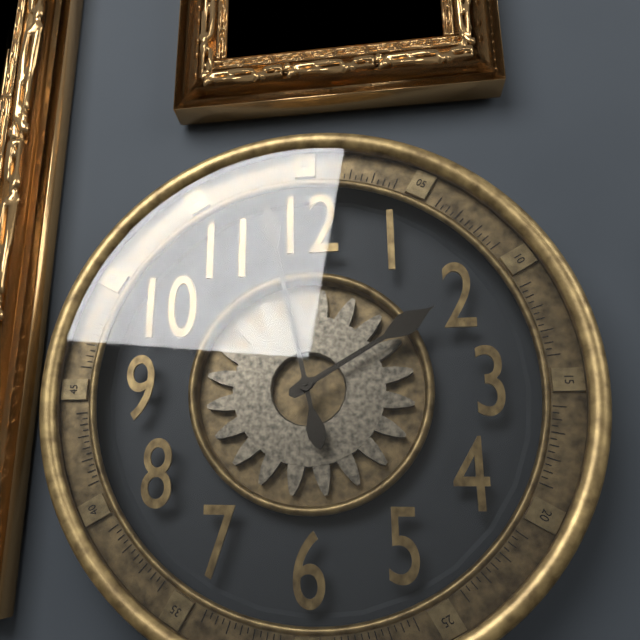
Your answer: **1:58**
